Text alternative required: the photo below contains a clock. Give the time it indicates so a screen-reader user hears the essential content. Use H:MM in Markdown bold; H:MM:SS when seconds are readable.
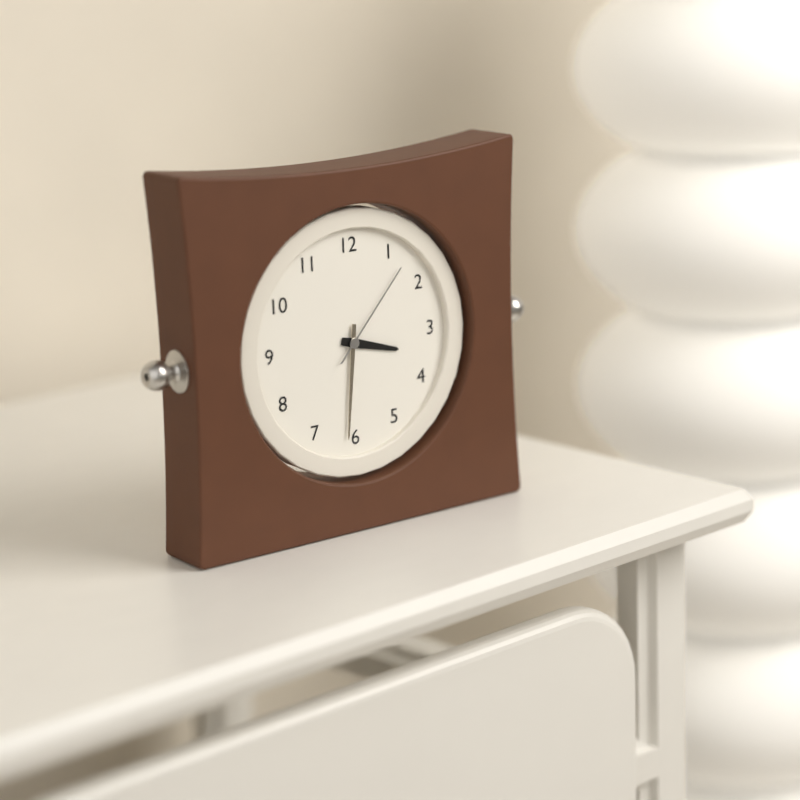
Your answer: **3:31:07**
